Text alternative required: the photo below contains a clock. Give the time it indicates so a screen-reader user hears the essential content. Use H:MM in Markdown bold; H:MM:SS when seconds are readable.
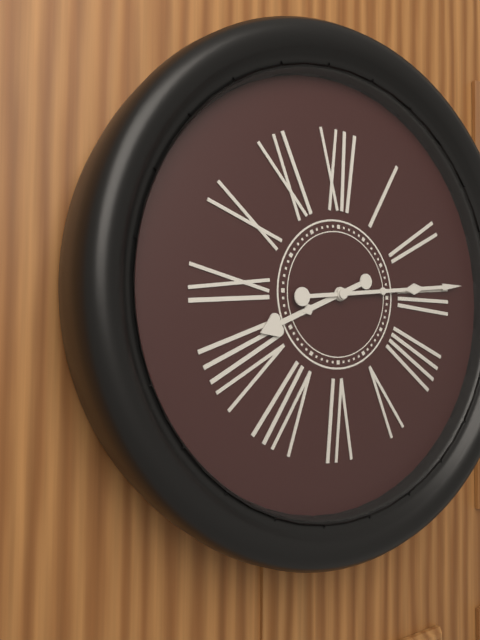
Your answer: **8:14**
